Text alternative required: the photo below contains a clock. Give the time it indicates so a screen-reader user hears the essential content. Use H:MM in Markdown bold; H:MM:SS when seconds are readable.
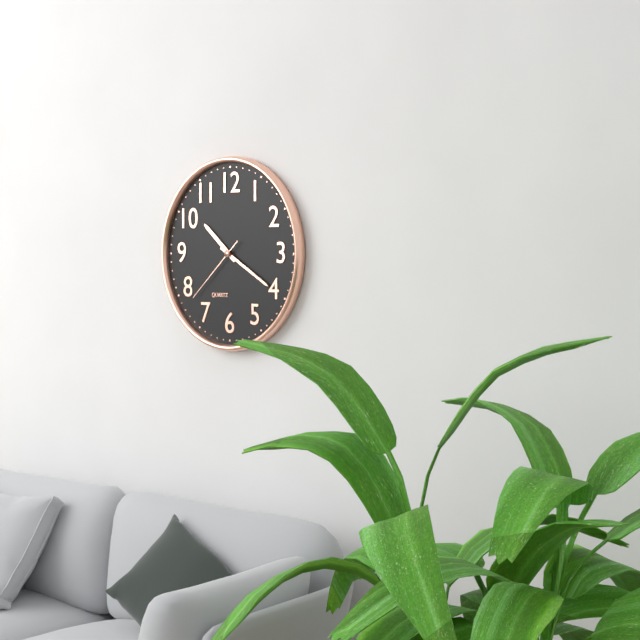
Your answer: **10:20:38**
